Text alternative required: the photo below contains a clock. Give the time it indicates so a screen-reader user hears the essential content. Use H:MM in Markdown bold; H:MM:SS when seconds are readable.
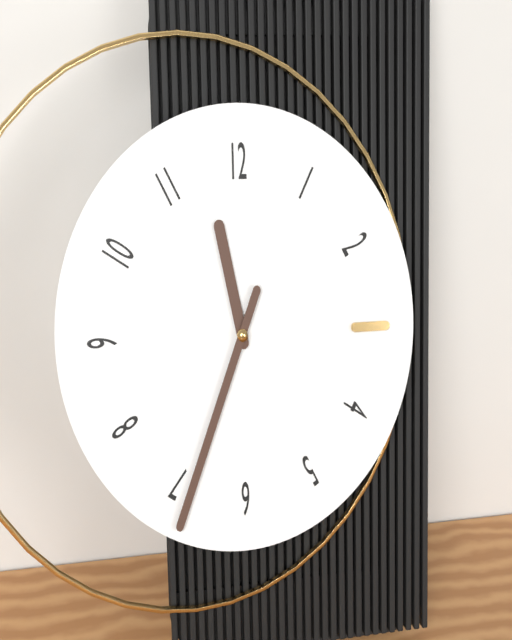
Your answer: **11:34**
